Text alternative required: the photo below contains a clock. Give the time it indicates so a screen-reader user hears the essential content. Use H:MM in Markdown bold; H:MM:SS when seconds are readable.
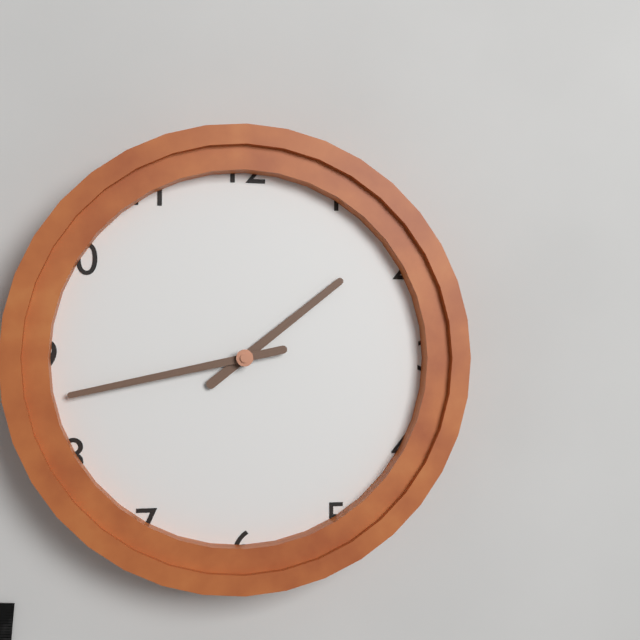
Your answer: **1:43**
